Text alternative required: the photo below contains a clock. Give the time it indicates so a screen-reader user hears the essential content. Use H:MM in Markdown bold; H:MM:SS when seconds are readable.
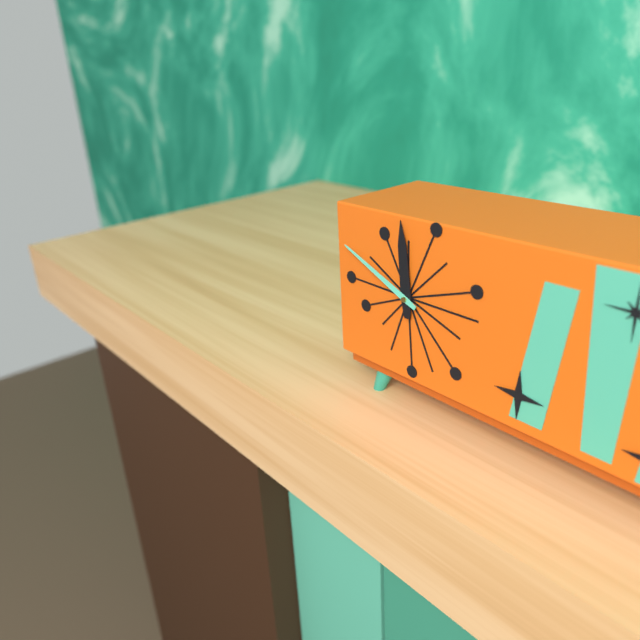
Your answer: **11:49**
